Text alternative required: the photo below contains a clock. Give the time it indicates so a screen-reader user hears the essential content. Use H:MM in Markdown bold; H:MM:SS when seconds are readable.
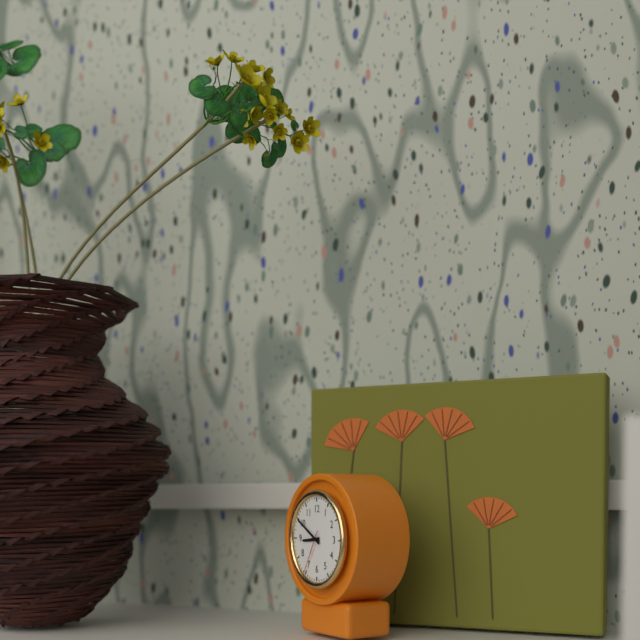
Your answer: **8:50**
